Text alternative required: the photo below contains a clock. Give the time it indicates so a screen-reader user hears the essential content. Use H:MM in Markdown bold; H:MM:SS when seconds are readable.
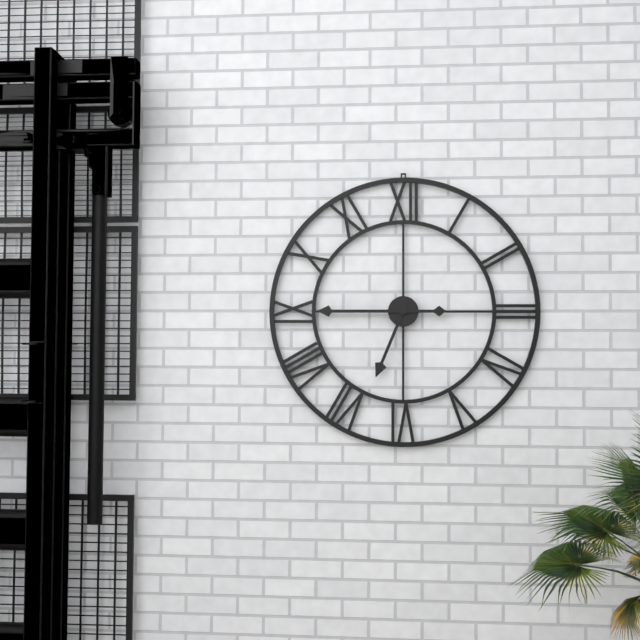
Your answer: **6:45**
